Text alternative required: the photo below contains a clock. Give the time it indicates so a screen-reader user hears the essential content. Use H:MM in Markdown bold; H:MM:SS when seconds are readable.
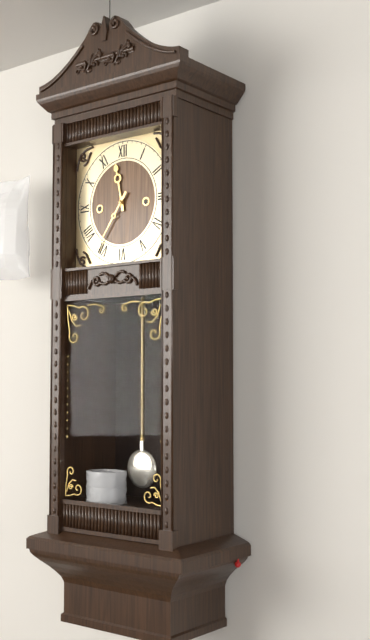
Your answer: **11:36**
